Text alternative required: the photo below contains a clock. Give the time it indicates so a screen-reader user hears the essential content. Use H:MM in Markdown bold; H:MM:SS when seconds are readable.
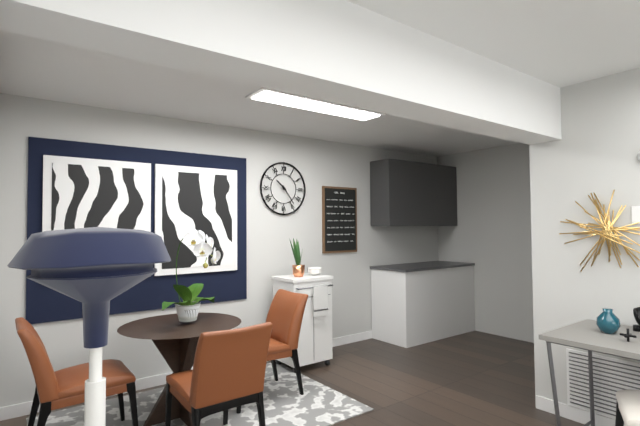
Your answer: **10:24**
